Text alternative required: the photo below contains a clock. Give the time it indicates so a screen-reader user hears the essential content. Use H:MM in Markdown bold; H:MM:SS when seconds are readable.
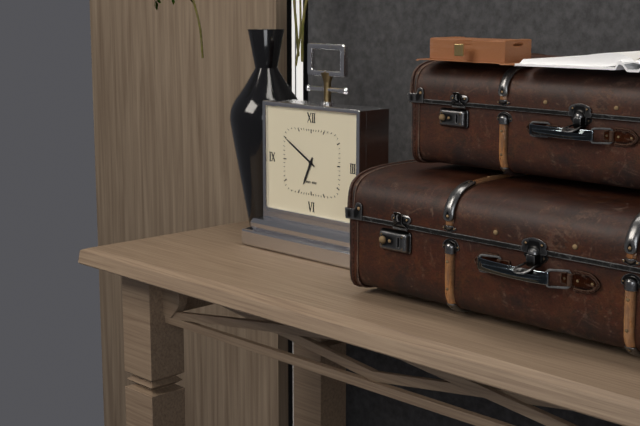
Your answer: **6:50**
